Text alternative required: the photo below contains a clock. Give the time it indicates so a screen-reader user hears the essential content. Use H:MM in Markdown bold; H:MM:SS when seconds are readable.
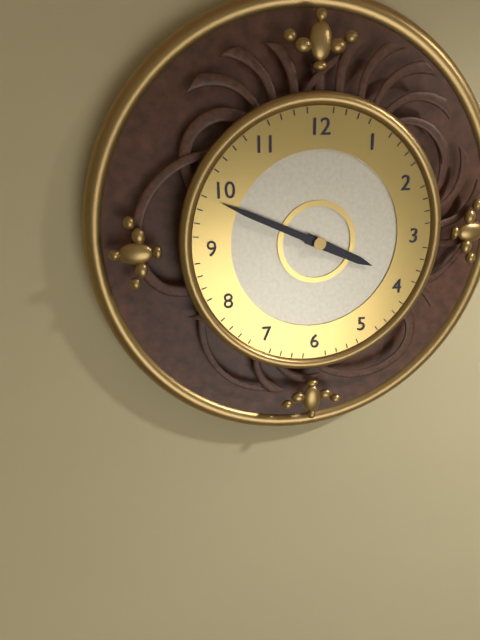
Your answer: **3:49**
